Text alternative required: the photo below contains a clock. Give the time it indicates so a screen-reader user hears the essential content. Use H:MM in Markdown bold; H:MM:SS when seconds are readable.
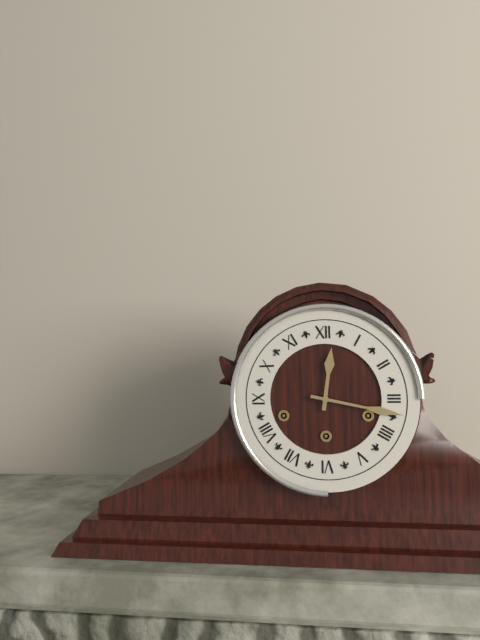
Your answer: **12:17**
